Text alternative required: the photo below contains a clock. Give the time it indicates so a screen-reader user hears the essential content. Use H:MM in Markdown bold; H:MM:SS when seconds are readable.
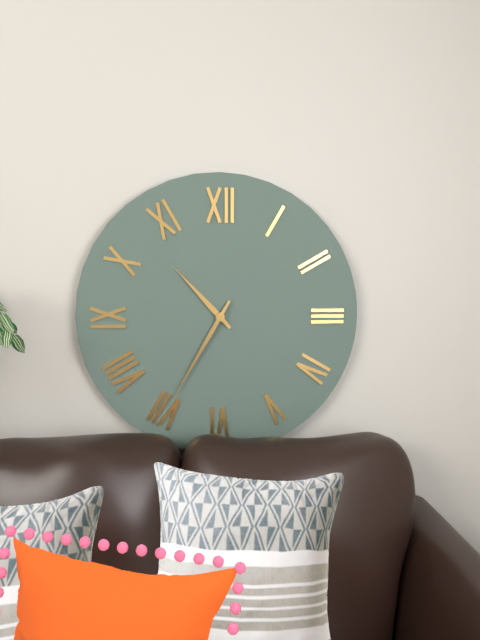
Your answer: **10:35**
